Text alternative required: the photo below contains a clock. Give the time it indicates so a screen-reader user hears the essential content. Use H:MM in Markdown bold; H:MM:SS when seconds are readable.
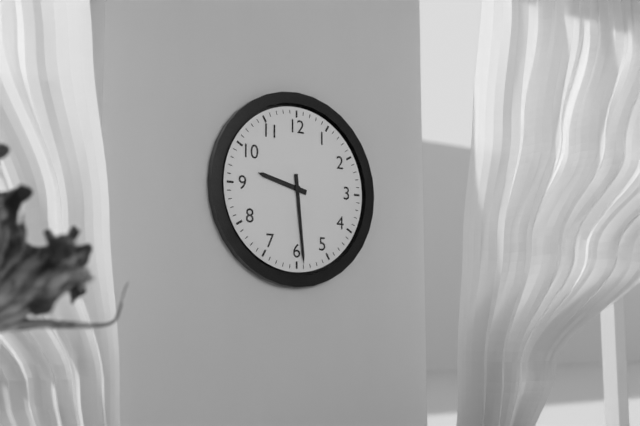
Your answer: **9:29**
